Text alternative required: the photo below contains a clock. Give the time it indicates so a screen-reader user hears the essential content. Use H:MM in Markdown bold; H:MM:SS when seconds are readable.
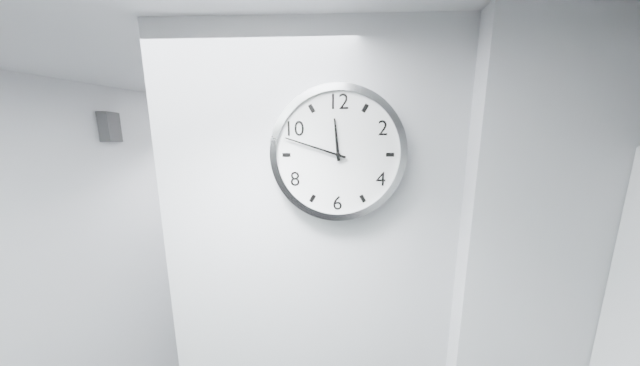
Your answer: **11:48**
